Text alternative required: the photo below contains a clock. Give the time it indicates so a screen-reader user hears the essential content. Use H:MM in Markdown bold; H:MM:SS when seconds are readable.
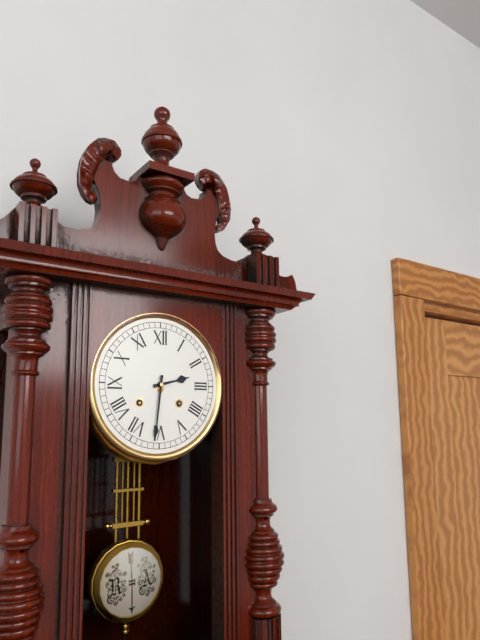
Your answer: **2:31**
